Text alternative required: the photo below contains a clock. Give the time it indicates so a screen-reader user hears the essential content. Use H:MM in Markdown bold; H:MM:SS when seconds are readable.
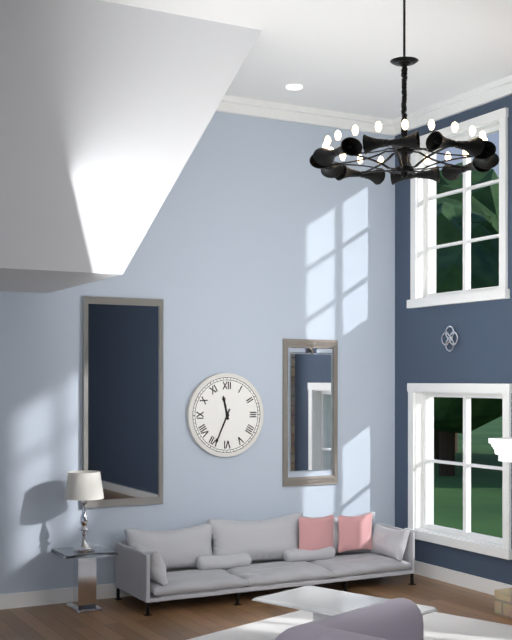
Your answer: **11:34**
